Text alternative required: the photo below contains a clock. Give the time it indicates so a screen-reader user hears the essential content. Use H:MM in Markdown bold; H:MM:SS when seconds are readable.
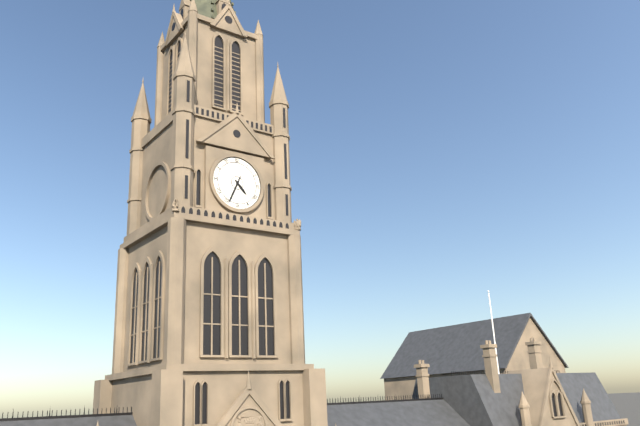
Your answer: **4:34**
